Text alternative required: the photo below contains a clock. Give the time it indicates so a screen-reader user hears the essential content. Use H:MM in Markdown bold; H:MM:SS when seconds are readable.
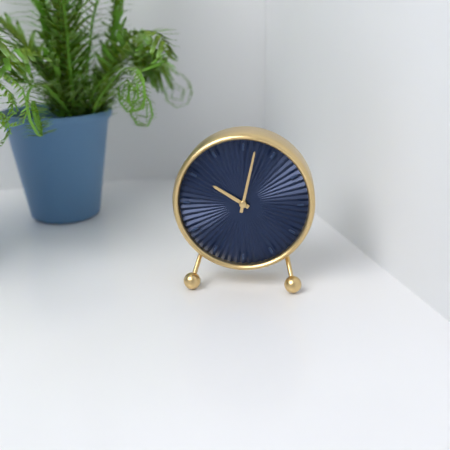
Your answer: **10:02**
